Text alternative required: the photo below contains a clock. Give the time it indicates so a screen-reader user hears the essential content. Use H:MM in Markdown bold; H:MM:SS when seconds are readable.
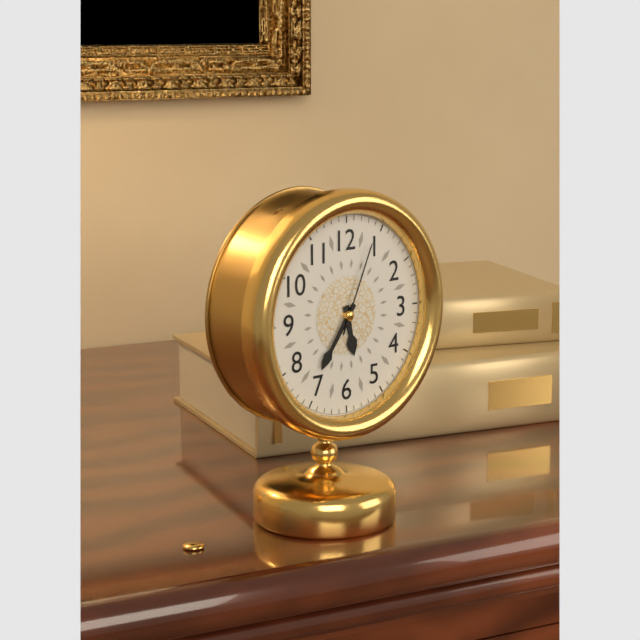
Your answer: **5:36:04**
